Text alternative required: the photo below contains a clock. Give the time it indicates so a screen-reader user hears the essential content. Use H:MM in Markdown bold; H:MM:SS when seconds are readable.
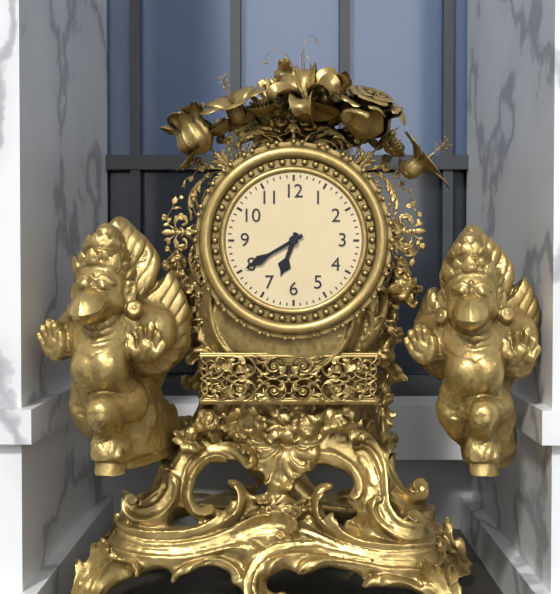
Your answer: **6:40**
